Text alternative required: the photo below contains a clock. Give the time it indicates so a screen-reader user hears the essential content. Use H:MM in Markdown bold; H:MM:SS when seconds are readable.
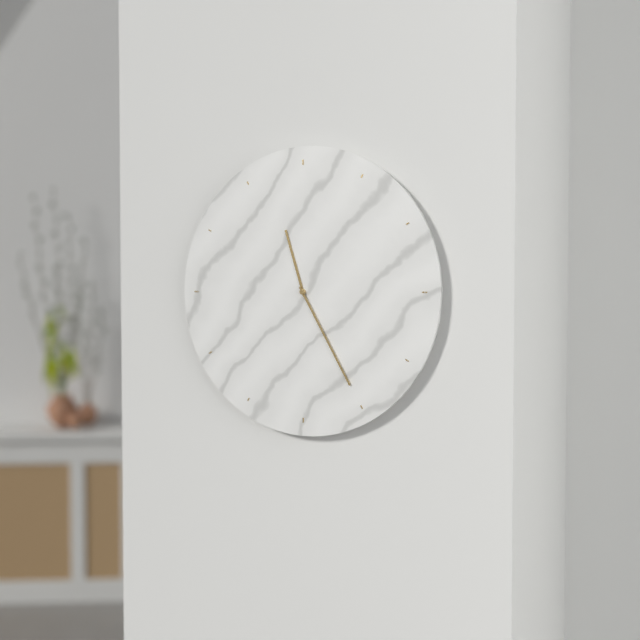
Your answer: **11:25**
